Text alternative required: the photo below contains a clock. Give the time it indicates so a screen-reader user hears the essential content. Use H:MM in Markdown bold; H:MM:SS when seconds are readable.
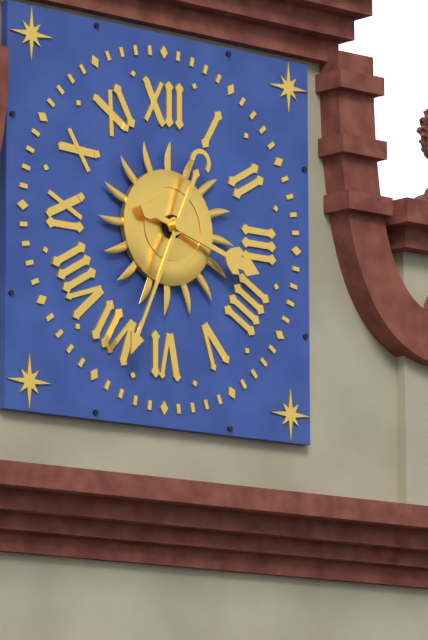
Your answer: **3:34**
